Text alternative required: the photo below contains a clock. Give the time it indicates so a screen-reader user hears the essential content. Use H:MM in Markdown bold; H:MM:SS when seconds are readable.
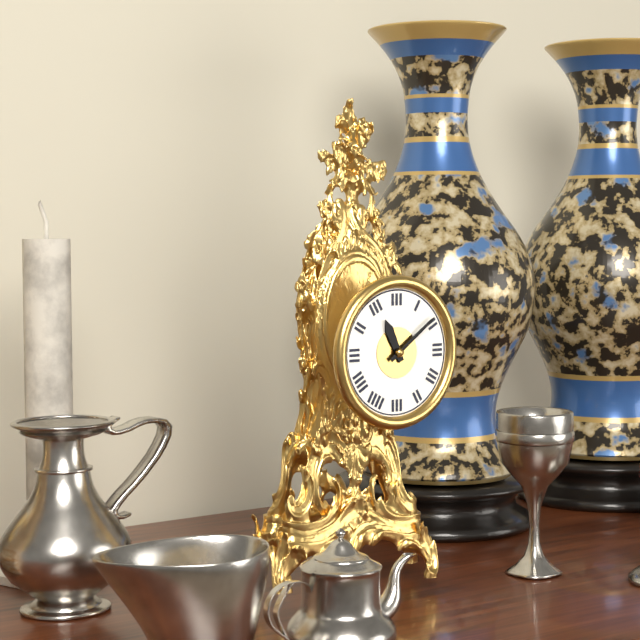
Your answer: **11:09**
